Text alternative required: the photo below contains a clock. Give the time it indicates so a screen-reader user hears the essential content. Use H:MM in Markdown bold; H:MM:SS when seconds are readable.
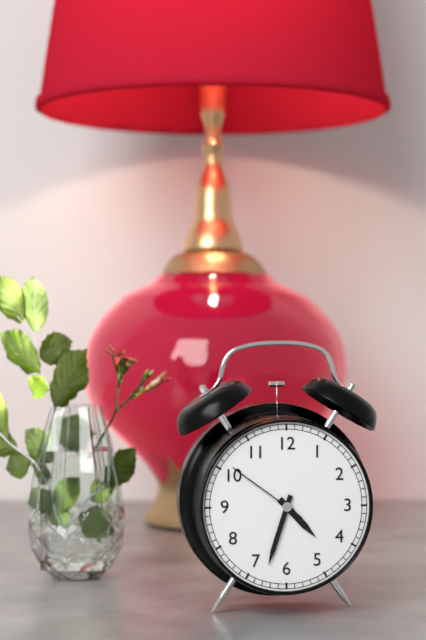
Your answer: **4:33:51**
